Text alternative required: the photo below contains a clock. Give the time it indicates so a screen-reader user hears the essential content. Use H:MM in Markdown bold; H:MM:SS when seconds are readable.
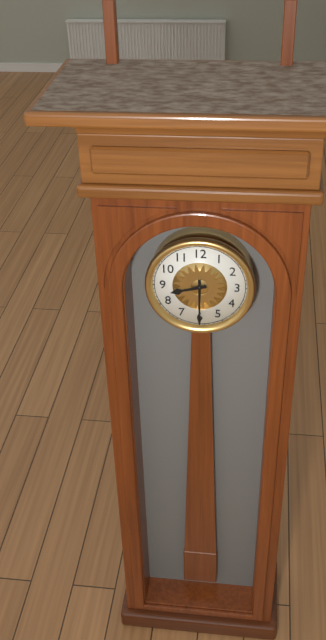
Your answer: **8:30**
